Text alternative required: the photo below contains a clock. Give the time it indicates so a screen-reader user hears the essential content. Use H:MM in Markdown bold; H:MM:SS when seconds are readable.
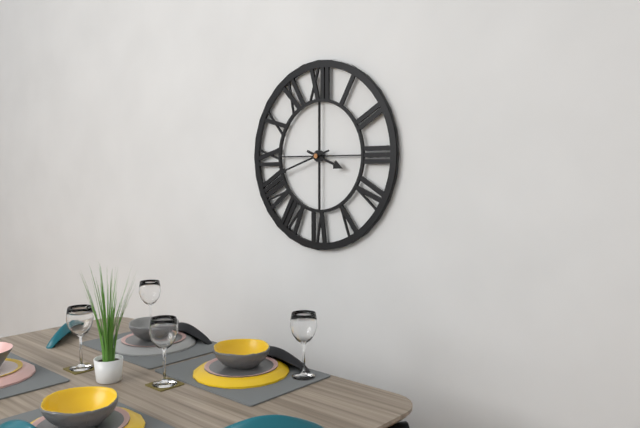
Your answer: **3:42**
